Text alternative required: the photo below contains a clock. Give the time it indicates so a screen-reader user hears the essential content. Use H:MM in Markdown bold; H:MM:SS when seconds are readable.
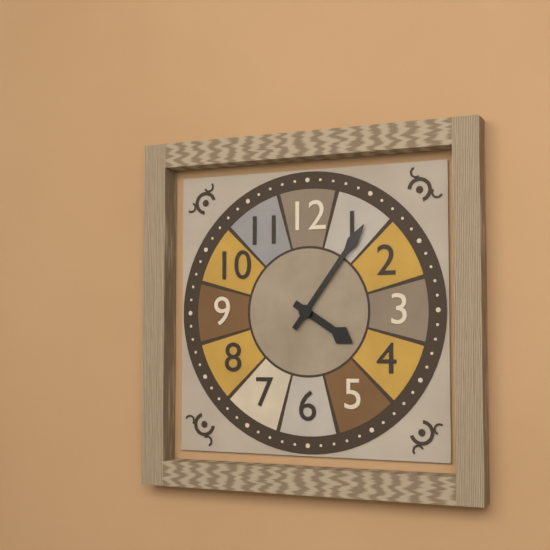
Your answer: **4:06**
